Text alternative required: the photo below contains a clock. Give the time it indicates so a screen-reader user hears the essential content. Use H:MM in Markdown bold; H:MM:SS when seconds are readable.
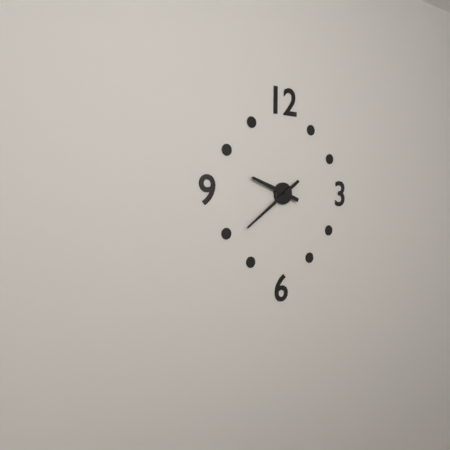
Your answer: **9:39**
